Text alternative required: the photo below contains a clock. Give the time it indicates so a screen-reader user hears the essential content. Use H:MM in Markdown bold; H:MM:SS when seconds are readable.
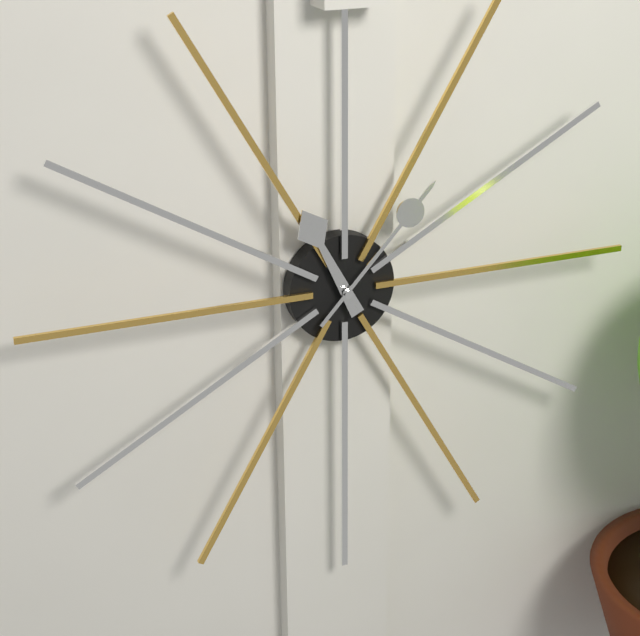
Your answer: **11:07**
